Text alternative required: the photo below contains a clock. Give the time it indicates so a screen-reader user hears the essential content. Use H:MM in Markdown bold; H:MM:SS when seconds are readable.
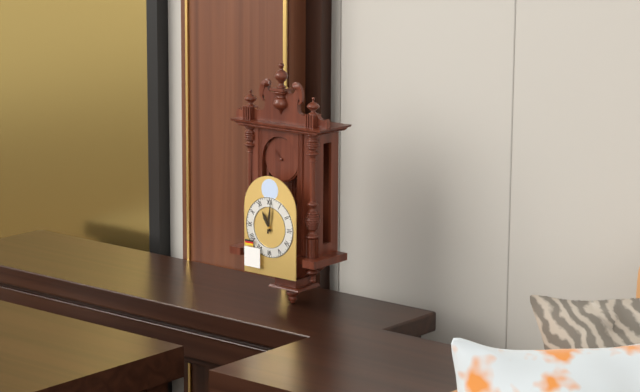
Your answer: **11:01**
